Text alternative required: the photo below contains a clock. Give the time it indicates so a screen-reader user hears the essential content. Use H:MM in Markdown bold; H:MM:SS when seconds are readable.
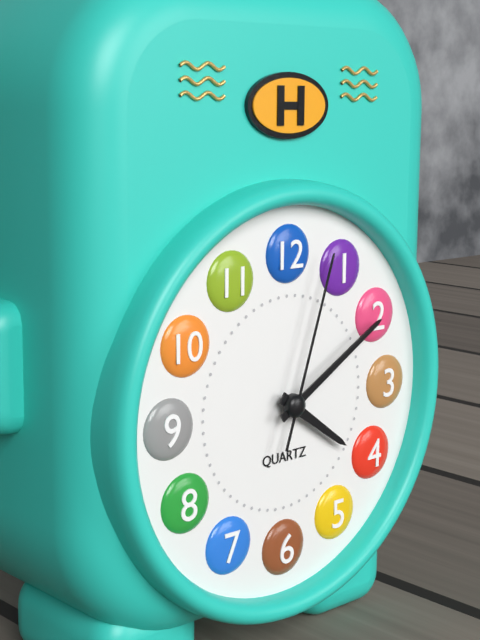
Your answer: **4:10:03**
